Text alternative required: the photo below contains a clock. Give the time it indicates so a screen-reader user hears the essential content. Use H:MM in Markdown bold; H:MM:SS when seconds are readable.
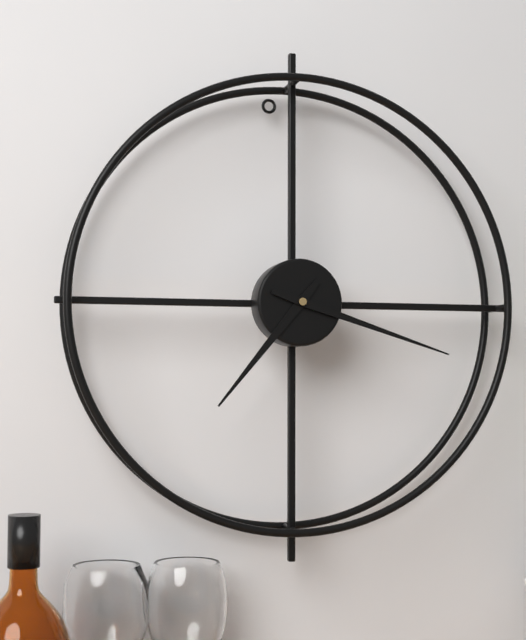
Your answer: **7:18**
